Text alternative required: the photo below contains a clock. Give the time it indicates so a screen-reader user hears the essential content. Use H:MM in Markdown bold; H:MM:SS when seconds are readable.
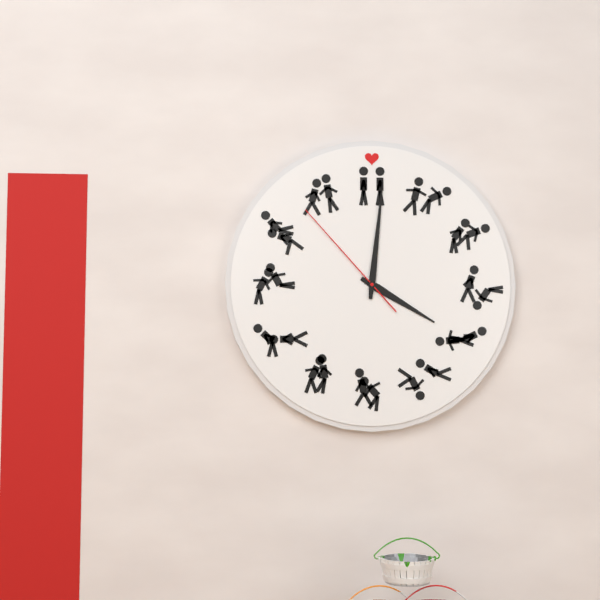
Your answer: **4:01:53**
